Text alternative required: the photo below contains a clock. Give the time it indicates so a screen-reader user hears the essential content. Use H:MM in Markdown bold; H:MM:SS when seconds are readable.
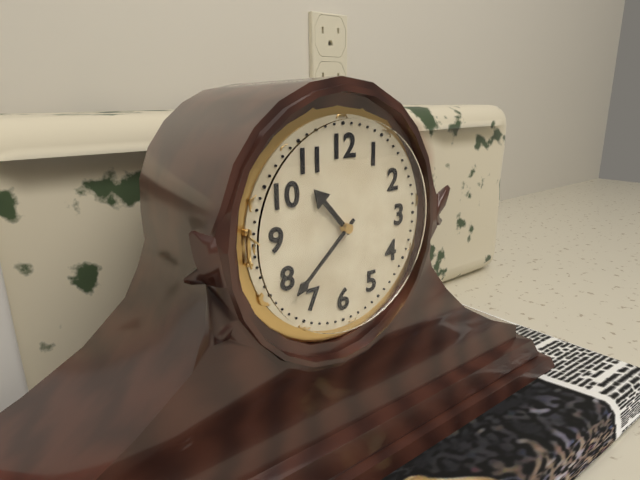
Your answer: **10:38**
